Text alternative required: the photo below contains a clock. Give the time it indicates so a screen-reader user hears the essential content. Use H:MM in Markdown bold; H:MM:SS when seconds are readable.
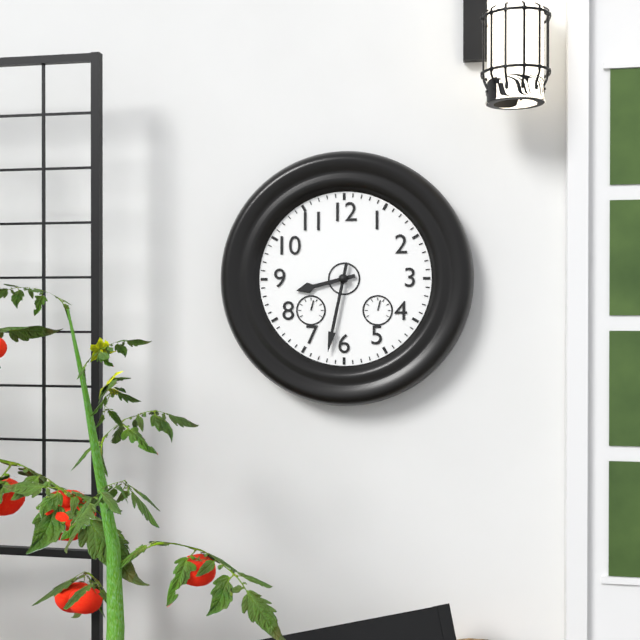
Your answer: **8:32**
